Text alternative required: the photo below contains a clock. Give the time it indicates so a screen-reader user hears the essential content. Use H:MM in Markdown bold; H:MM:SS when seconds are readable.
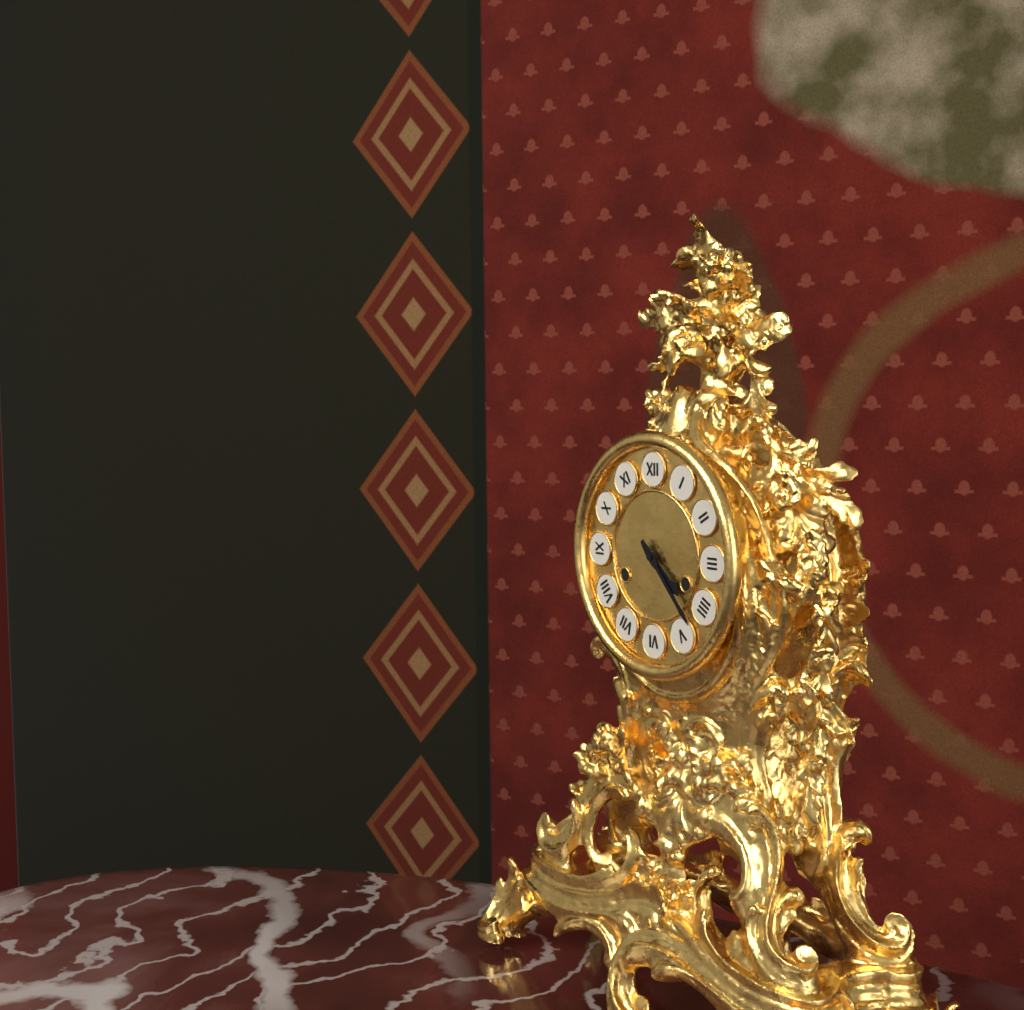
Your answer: **4:23**
